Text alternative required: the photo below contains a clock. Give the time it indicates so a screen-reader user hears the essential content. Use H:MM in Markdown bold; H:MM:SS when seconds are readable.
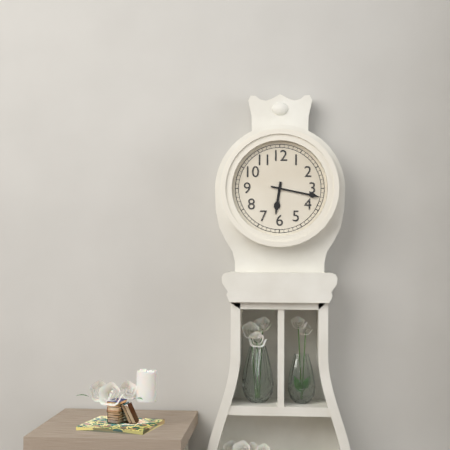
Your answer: **6:17**
